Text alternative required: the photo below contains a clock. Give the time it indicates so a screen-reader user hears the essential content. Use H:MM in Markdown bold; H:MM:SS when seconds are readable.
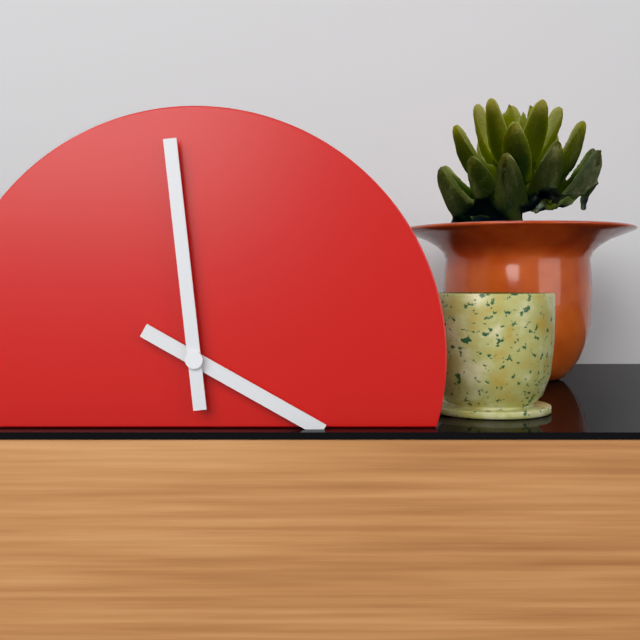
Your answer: **3:59**
